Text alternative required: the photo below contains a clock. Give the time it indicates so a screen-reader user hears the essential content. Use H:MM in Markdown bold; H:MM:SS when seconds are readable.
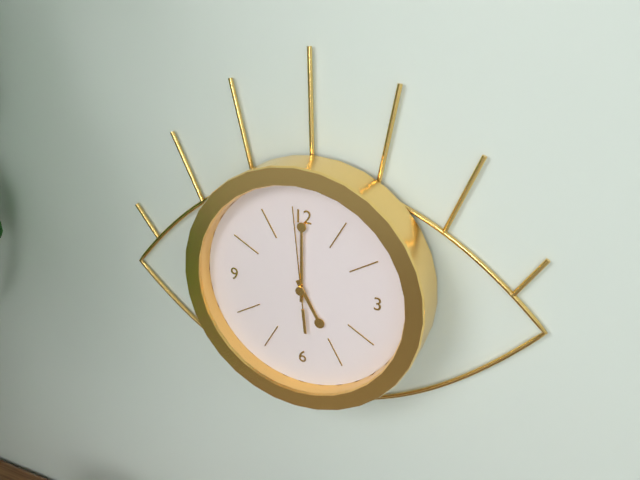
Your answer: **5:00:59**
